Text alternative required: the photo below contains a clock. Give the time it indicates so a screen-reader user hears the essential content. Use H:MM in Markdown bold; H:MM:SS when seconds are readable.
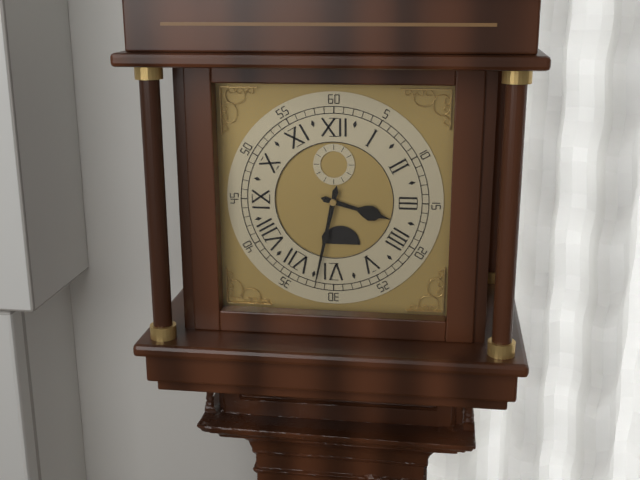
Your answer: **3:32**
